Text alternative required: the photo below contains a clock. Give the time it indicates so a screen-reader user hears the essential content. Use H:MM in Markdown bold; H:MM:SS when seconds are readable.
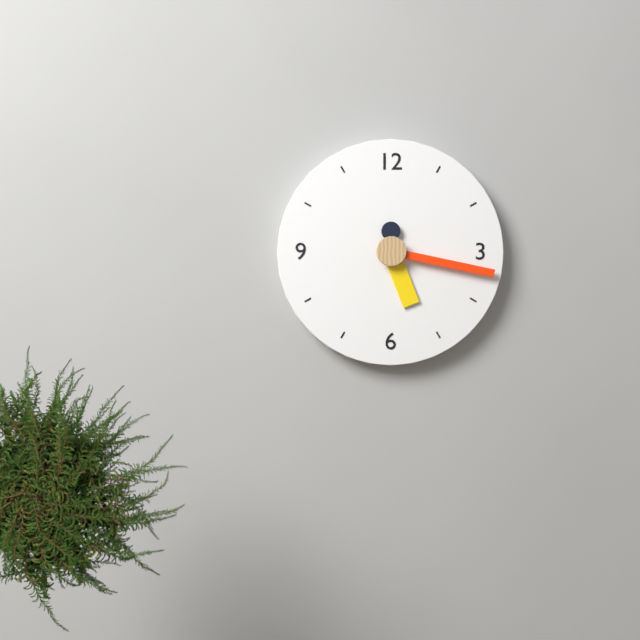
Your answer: **5:17**
